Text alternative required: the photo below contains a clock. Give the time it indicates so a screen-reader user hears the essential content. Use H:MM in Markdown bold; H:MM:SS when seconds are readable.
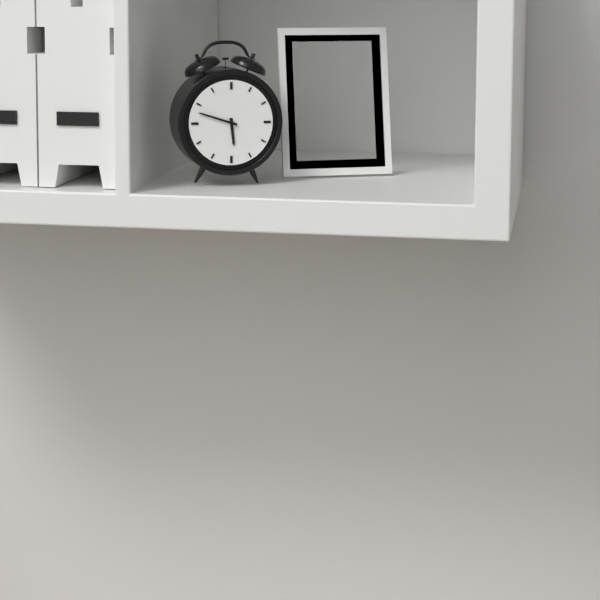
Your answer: **5:48**
